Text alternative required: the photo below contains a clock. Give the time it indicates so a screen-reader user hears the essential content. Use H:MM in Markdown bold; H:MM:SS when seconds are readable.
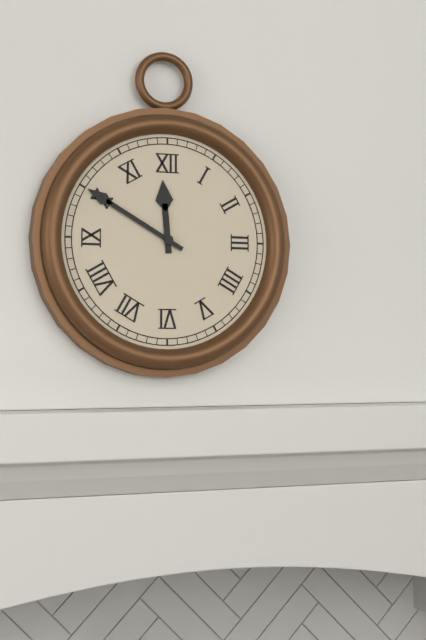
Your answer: **11:50**
